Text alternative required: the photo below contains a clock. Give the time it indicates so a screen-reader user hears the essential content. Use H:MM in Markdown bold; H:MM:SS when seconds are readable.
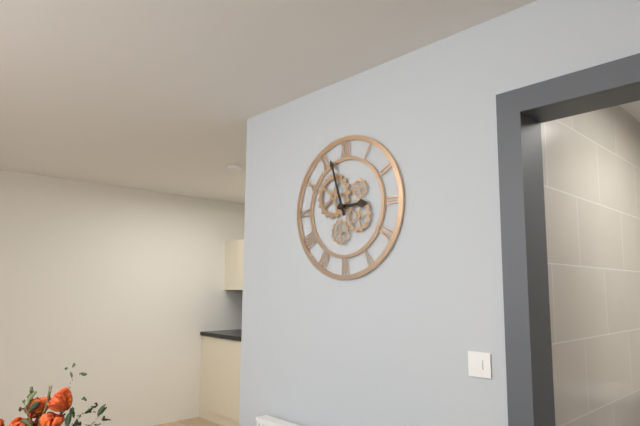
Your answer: **2:57**
